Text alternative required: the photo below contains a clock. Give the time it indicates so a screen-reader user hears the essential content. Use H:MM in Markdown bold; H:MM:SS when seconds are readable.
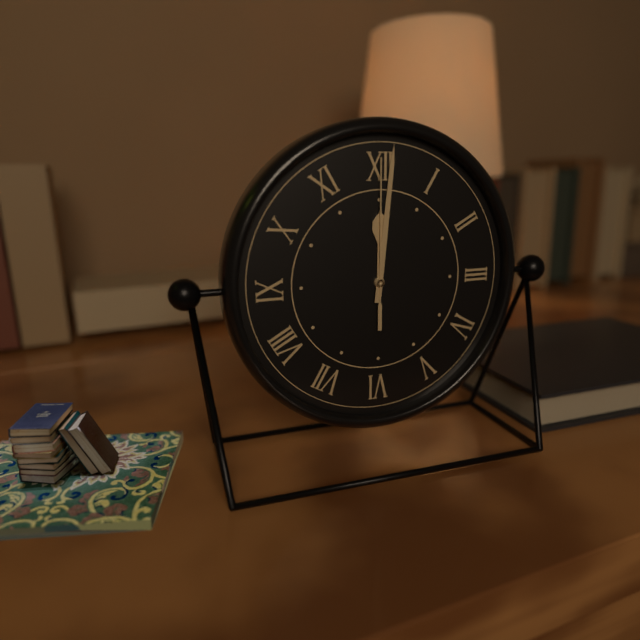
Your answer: **12:01:00**
